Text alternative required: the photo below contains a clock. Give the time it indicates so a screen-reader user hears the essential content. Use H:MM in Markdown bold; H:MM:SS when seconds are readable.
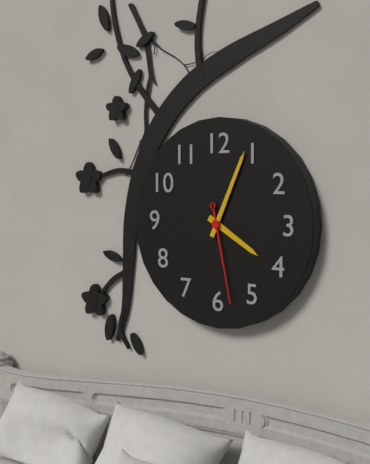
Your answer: **4:04:28**
